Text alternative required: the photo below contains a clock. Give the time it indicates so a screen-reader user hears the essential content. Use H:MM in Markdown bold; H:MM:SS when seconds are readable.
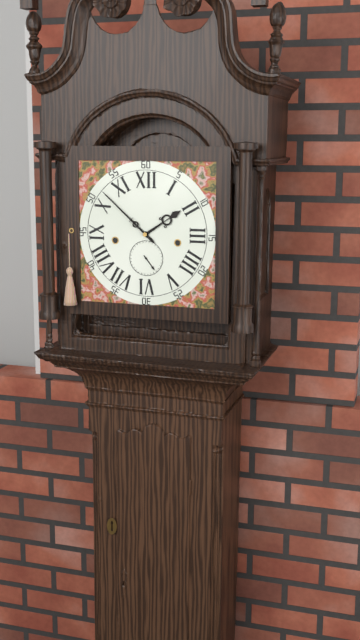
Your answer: **1:52**
